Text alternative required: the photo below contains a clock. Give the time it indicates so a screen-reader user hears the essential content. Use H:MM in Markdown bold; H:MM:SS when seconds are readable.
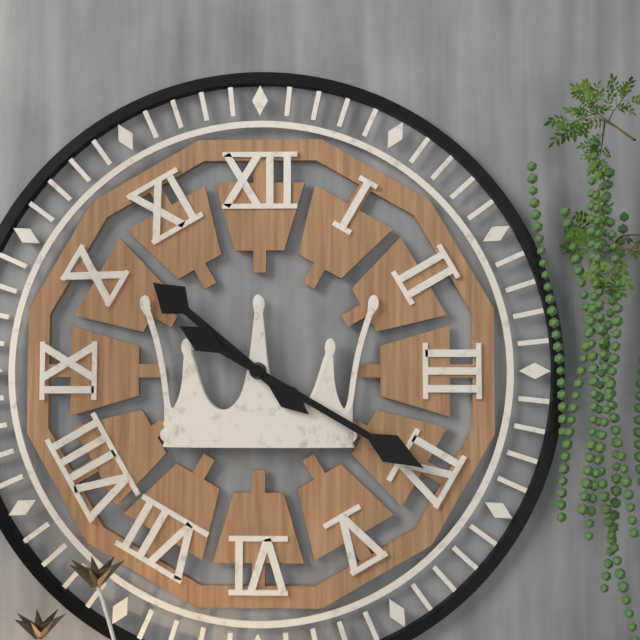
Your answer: **10:20**
